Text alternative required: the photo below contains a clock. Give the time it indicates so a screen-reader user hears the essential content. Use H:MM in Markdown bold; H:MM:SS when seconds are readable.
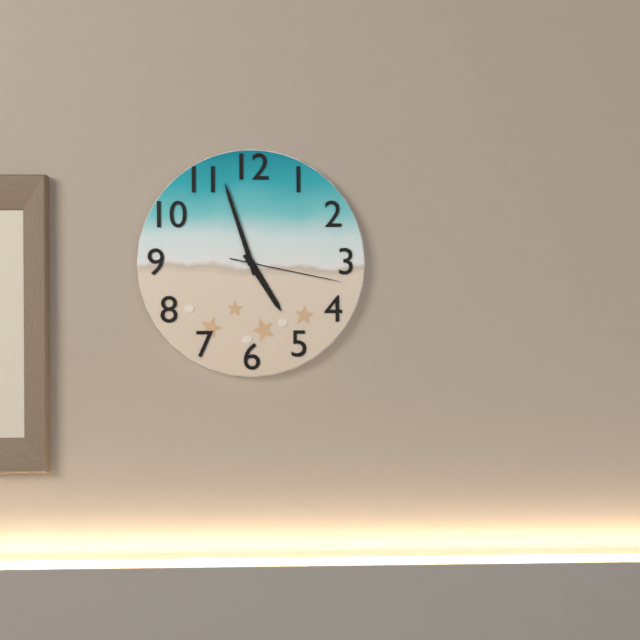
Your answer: **4:57:17**
